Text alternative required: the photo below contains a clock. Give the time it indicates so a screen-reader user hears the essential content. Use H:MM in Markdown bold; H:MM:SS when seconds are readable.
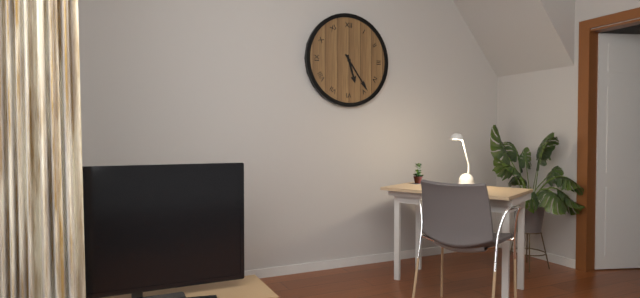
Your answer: **5:24**
